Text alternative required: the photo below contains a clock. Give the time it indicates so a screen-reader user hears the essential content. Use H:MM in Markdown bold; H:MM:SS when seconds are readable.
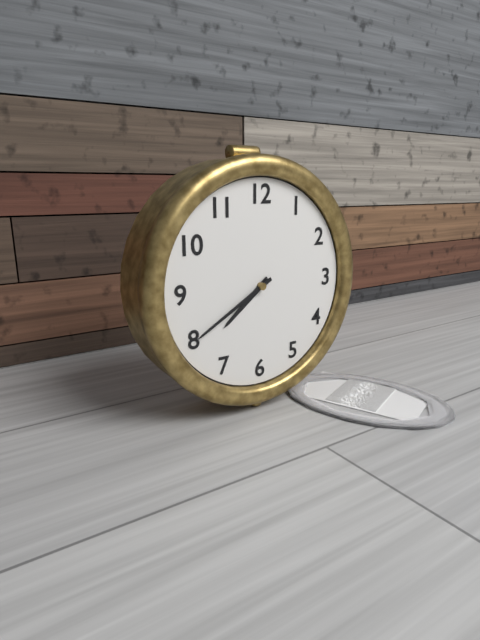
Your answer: **7:40**
